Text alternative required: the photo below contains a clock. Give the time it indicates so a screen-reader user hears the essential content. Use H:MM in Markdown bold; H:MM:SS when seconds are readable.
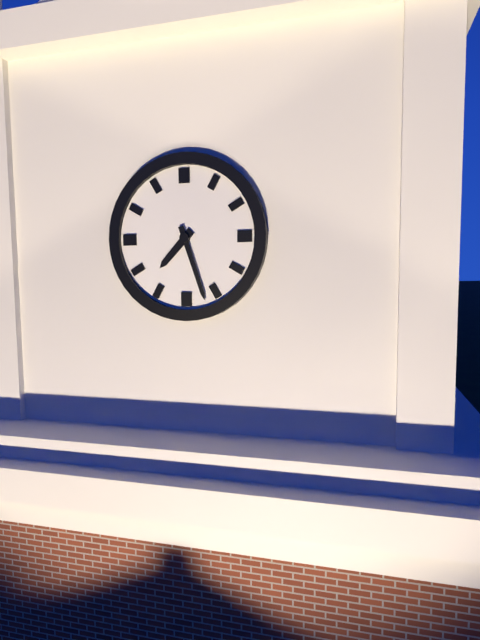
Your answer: **7:27**
